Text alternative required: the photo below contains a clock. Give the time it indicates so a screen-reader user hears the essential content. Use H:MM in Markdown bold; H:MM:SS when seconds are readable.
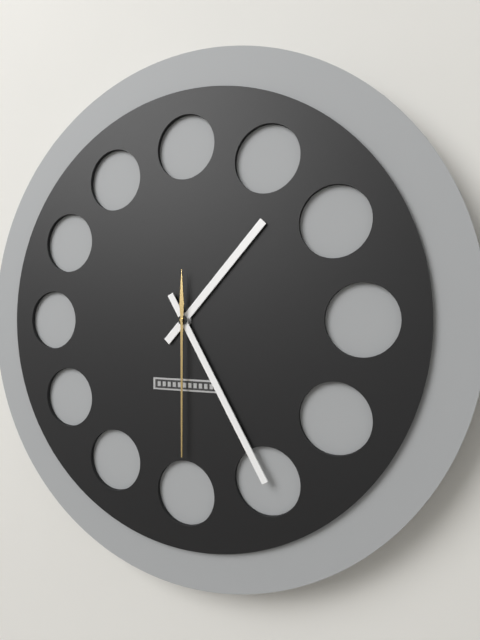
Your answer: **1:25:30**
